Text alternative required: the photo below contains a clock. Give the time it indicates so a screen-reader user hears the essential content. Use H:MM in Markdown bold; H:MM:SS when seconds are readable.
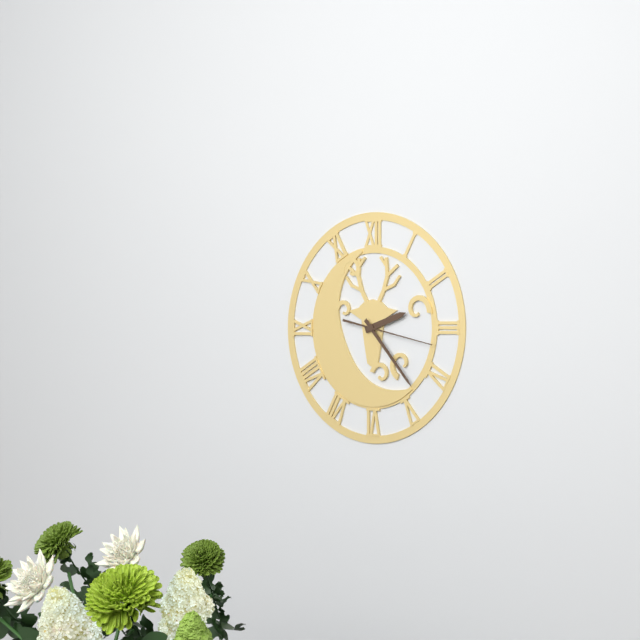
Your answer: **2:23:17**
